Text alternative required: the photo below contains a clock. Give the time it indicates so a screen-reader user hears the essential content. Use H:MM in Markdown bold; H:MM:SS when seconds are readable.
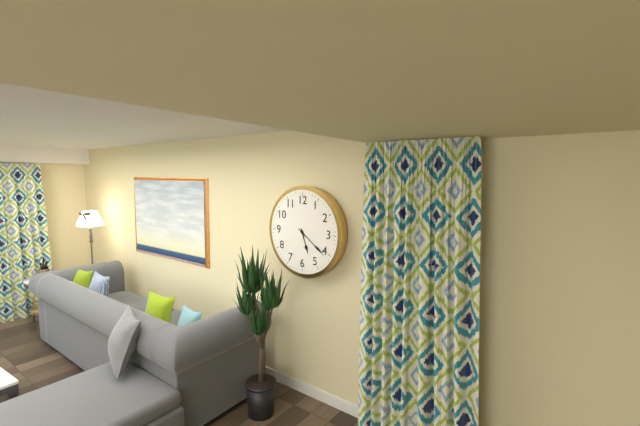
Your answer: **5:21**
